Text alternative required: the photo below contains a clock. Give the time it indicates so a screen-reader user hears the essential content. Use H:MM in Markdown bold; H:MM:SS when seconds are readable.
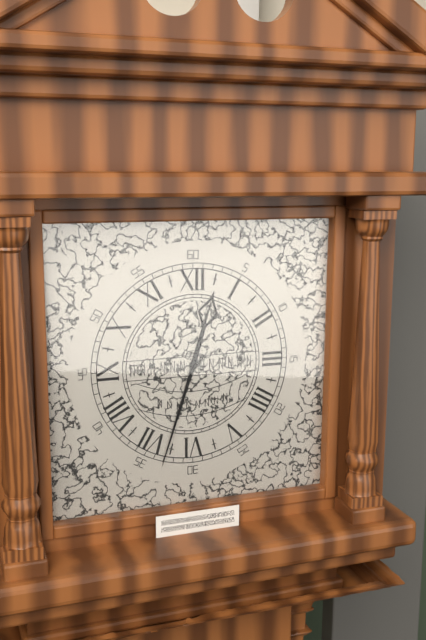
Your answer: **12:33**
